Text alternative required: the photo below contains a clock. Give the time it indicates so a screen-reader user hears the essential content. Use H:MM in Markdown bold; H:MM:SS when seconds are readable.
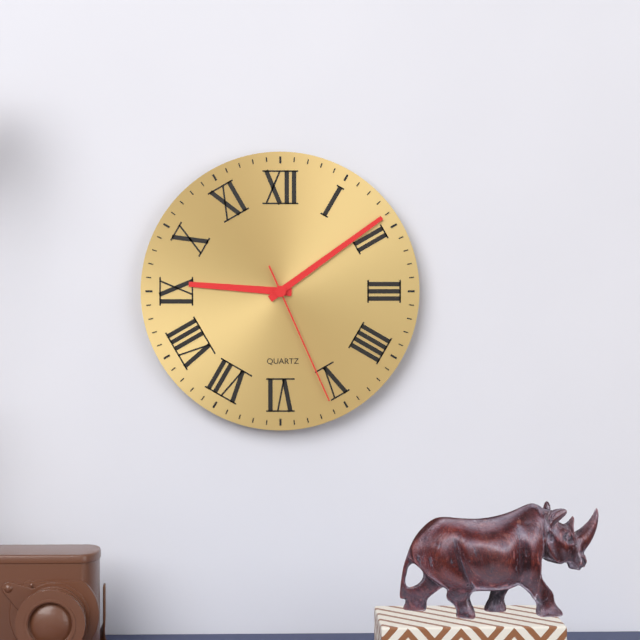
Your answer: **9:09:26**
